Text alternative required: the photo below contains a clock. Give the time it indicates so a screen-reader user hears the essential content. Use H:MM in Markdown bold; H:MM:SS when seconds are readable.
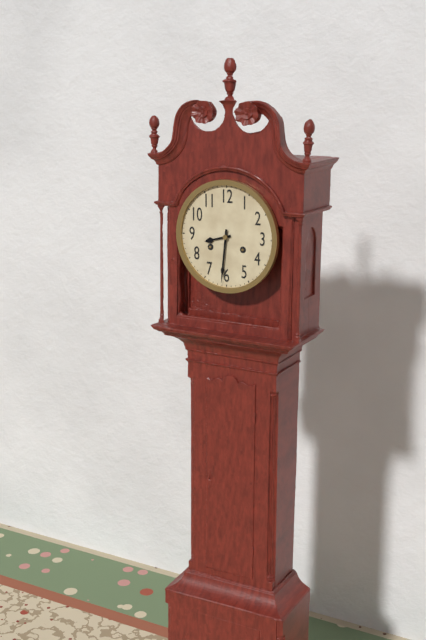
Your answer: **8:31**
